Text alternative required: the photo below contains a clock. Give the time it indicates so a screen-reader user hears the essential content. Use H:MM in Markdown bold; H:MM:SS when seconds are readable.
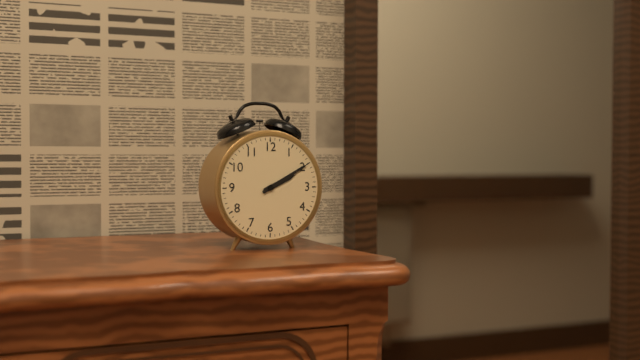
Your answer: **2:10**
